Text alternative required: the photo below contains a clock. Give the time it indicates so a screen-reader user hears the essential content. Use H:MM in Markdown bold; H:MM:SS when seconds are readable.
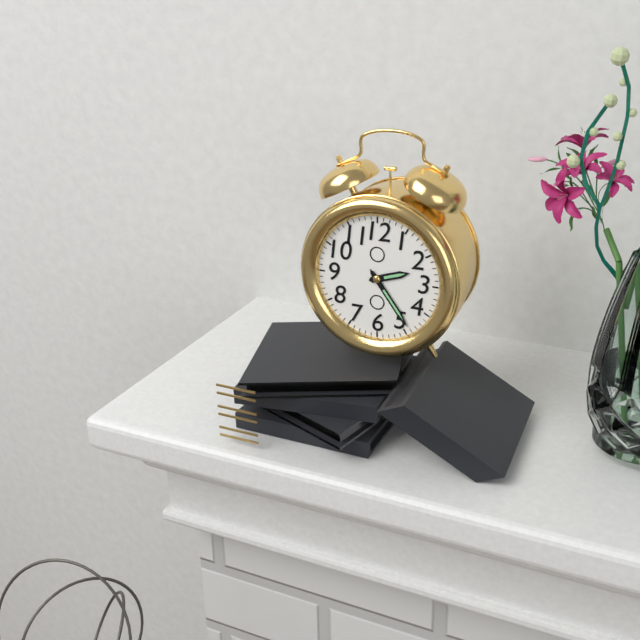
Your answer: **2:24**
